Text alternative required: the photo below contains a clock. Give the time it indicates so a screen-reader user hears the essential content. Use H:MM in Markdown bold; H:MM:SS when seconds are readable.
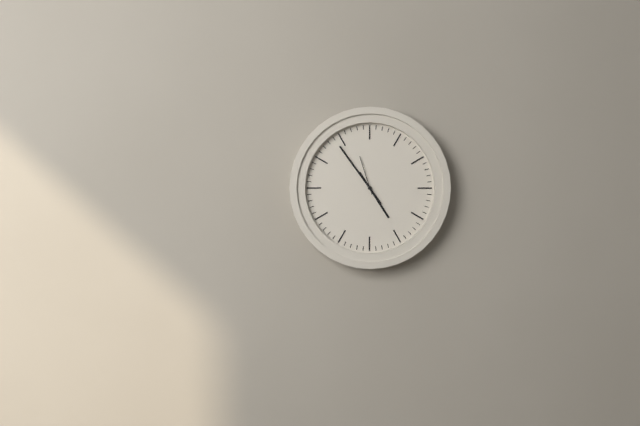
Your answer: **4:54**
